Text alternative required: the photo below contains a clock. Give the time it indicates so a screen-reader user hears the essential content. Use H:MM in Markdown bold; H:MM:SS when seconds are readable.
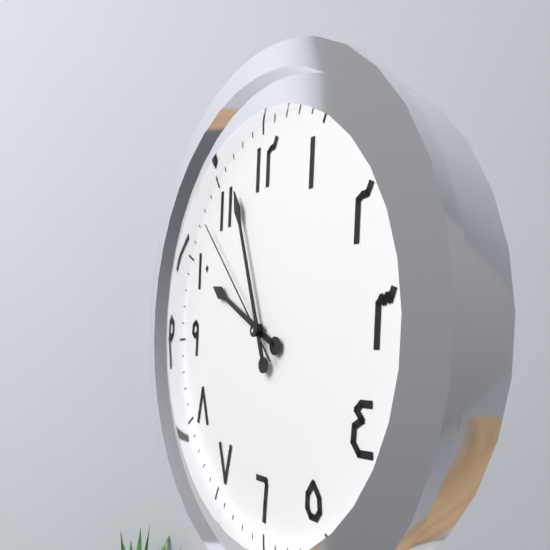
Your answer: **9:57:53**
